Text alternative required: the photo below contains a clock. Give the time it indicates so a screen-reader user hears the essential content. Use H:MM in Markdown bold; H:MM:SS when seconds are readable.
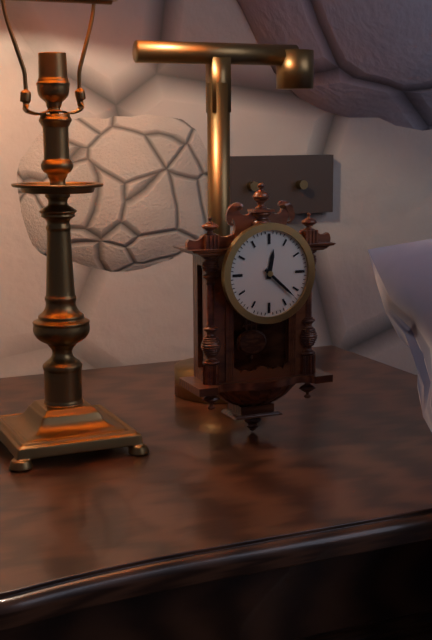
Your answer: **12:22**
